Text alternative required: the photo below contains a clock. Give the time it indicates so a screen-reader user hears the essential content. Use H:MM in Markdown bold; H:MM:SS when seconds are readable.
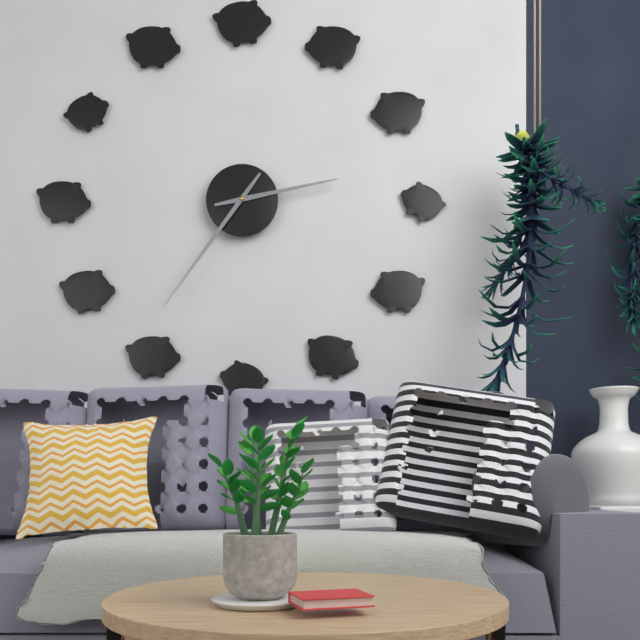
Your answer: **2:36**
